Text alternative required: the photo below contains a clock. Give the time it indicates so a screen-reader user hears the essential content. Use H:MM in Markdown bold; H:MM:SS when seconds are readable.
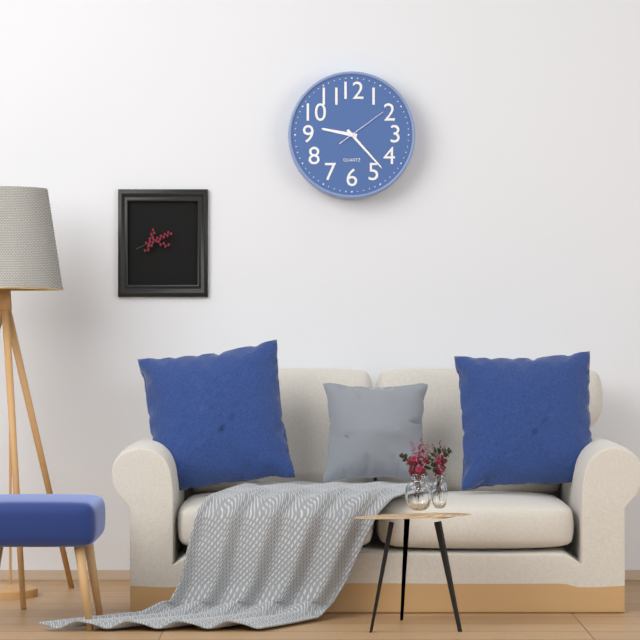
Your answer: **9:23**
